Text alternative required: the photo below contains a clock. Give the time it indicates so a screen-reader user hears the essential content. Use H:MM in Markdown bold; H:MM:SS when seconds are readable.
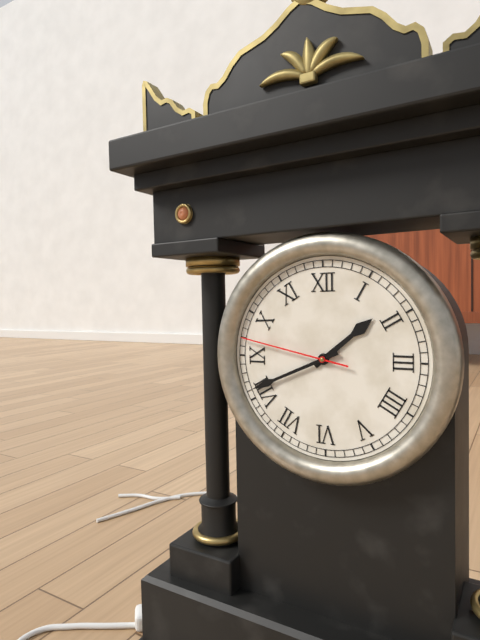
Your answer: **1:41:47**
